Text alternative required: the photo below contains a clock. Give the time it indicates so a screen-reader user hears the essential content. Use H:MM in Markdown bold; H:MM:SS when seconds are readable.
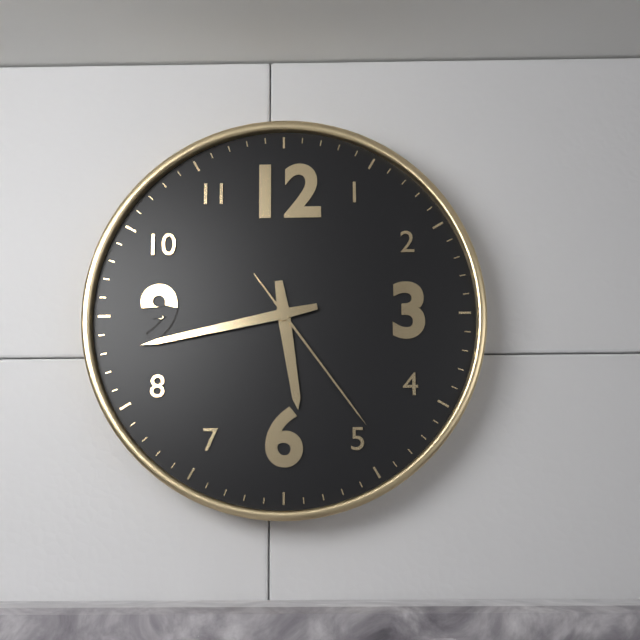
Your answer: **5:43:24**
